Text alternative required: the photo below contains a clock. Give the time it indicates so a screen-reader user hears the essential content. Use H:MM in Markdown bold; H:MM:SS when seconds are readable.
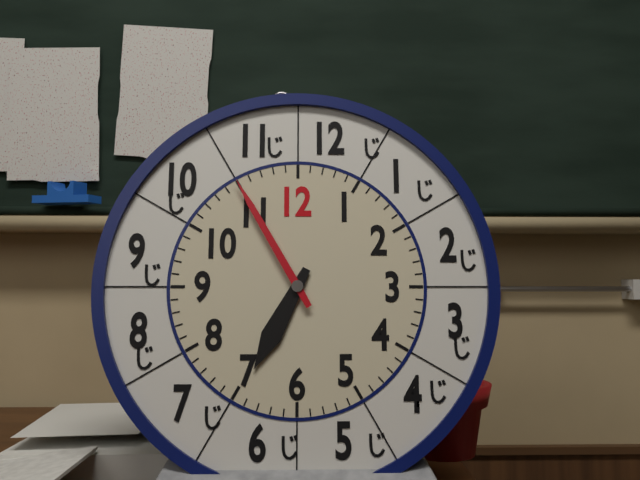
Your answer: **6:55**
